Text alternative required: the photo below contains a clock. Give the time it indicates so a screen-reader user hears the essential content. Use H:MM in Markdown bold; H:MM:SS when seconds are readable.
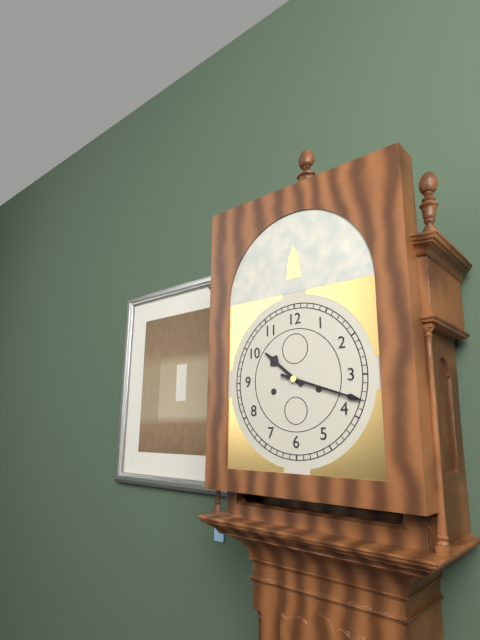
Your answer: **10:18**
